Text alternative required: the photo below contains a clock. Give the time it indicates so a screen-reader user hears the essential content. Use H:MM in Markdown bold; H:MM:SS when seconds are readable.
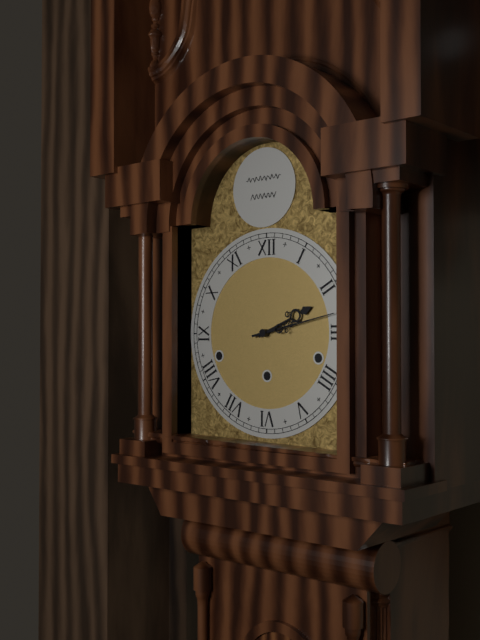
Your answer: **2:13**
